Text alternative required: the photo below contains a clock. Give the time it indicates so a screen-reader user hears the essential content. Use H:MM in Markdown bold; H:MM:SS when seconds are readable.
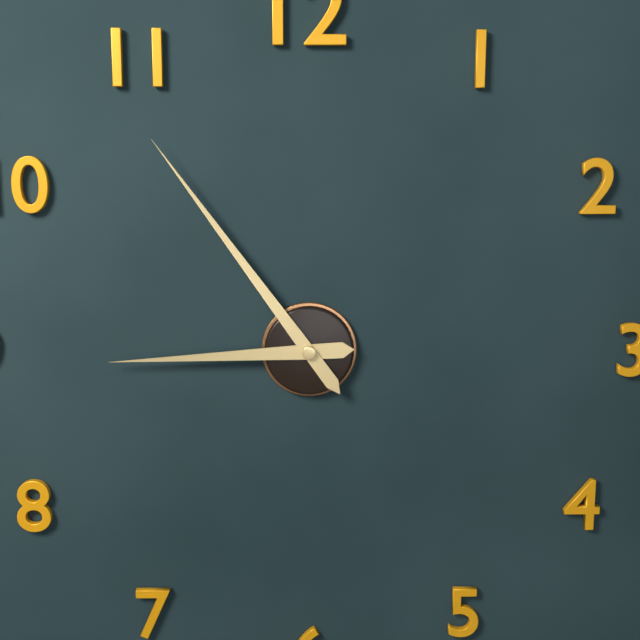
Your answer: **8:54**
